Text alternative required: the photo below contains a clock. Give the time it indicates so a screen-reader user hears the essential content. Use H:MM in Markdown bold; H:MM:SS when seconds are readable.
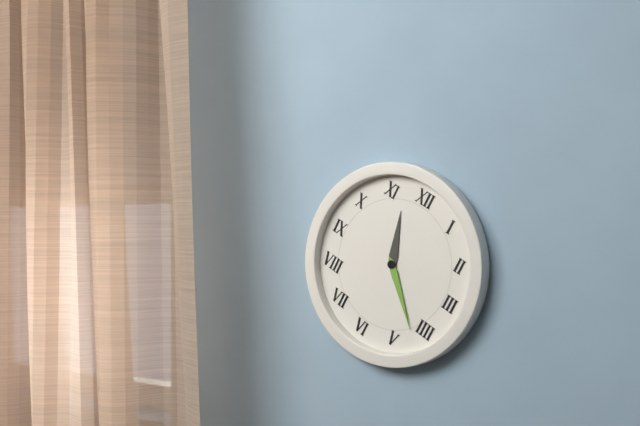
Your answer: **11:22**
